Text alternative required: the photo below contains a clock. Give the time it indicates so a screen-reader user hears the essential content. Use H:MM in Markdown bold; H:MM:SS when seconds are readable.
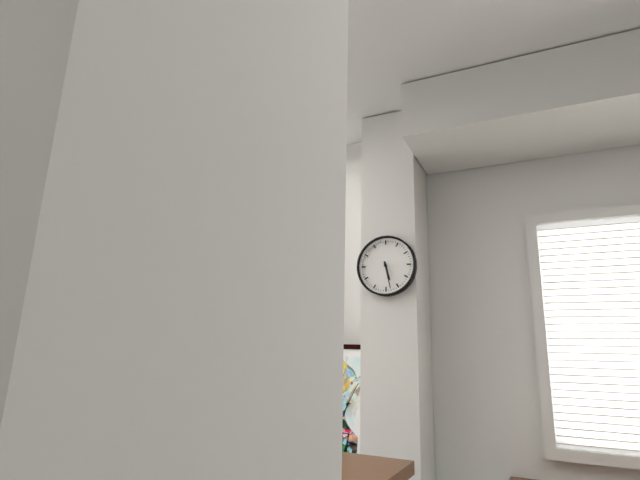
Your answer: **5:28**
